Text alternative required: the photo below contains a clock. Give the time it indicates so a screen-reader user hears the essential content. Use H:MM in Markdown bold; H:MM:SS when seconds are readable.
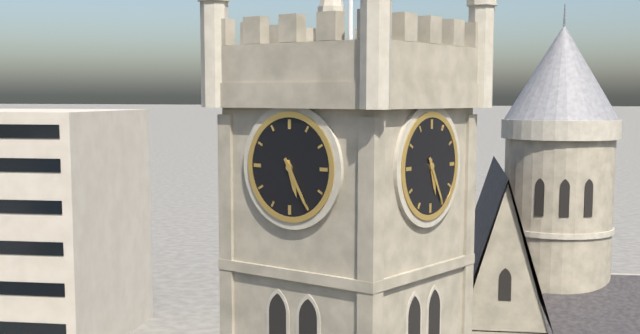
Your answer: **5:25**
